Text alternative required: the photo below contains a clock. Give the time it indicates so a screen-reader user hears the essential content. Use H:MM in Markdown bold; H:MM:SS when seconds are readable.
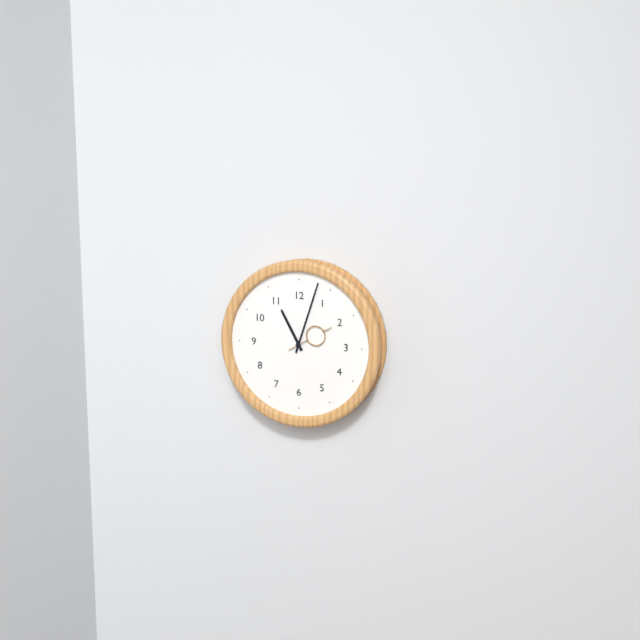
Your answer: **11:03**
